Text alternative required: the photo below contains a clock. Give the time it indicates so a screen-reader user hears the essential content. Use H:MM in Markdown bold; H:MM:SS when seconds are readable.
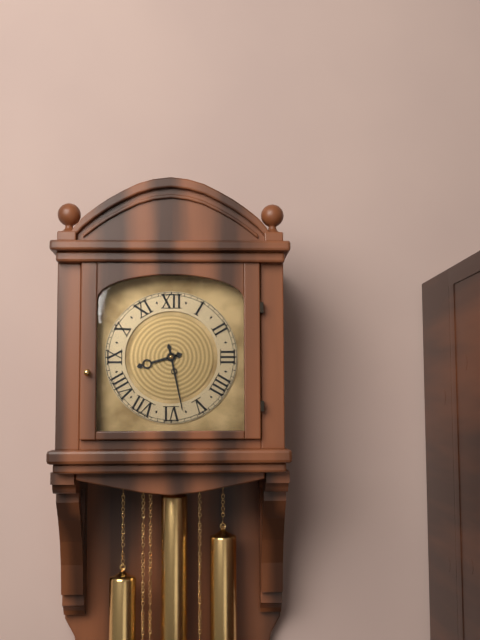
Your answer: **8:28**
